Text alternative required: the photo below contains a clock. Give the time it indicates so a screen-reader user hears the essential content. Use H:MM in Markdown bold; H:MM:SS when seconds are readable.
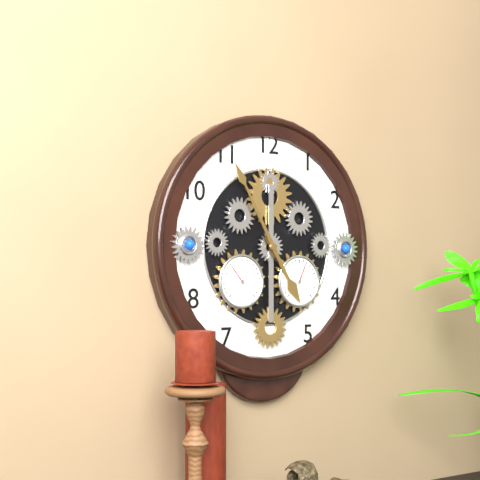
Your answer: **4:55**
